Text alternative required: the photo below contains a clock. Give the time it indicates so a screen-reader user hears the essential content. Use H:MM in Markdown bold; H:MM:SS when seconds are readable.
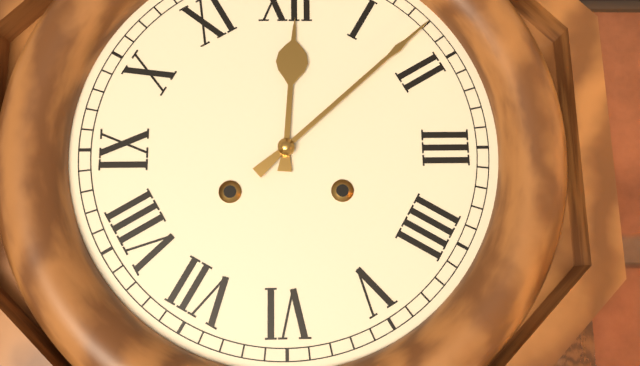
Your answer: **12:08**
